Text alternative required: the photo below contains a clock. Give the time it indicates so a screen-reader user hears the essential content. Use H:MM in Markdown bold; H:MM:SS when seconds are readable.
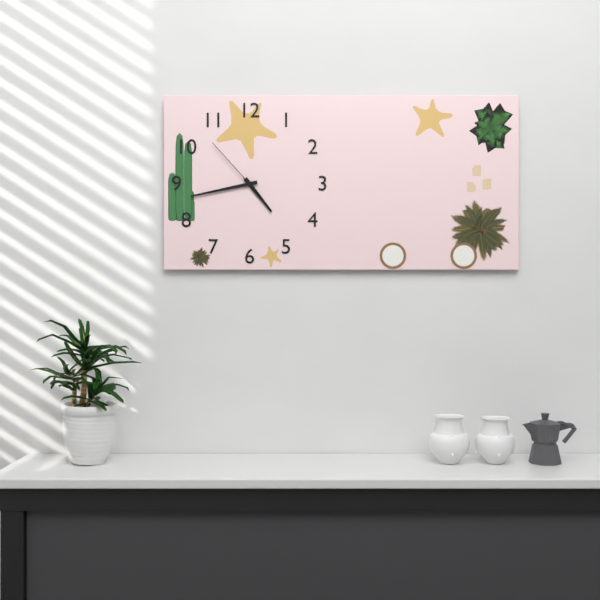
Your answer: **4:43:53**
